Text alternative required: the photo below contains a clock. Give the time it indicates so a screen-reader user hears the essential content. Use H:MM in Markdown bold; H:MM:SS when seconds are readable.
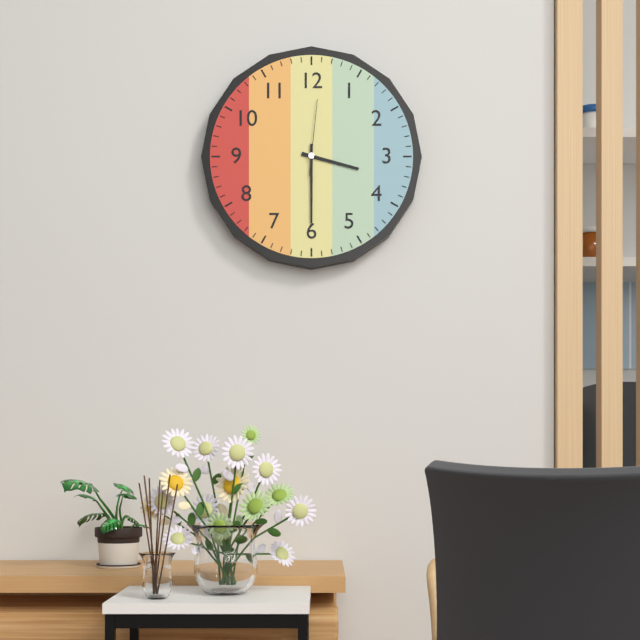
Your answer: **3:30:01**
